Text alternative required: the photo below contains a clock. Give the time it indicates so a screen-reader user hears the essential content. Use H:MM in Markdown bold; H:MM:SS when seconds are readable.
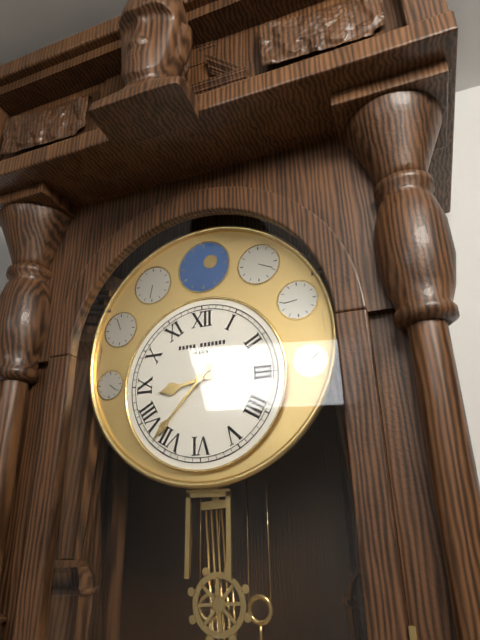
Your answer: **8:37**
